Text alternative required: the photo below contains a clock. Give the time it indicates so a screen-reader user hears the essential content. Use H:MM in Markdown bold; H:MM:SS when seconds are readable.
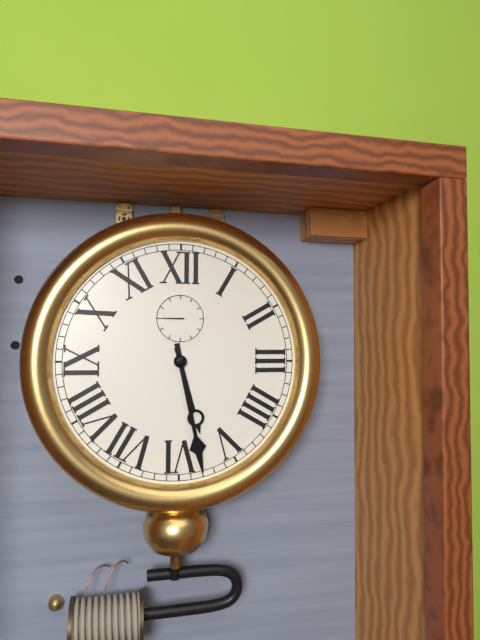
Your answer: **5:28**
